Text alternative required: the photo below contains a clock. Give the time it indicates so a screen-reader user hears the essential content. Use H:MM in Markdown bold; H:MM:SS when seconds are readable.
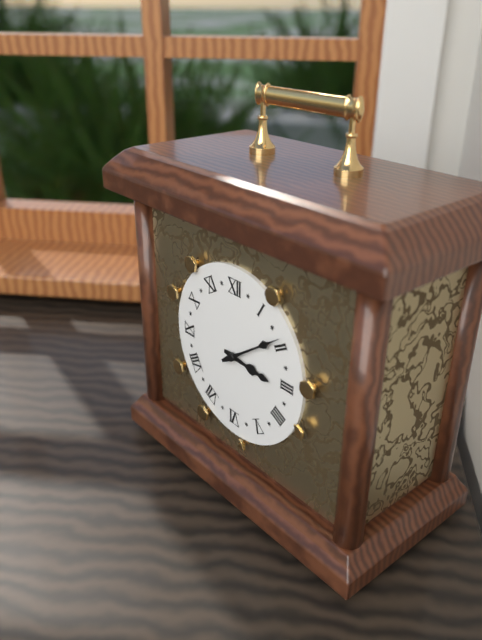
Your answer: **3:09**
